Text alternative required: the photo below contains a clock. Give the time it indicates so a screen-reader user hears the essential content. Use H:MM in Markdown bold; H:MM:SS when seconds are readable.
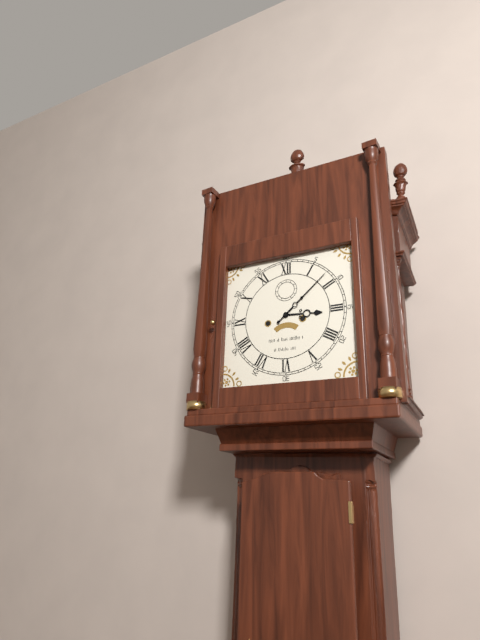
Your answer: **3:08**
